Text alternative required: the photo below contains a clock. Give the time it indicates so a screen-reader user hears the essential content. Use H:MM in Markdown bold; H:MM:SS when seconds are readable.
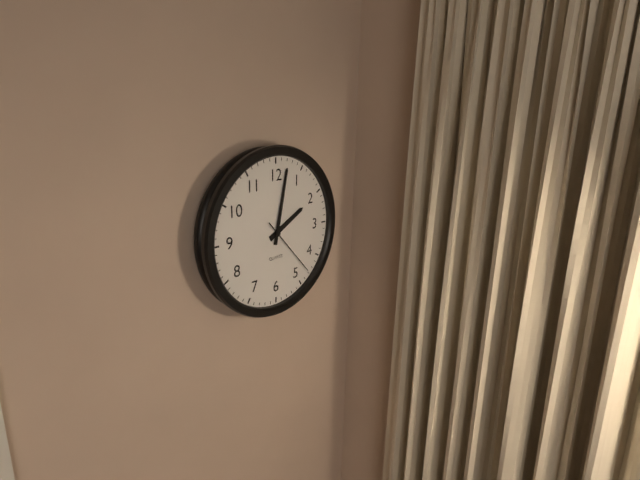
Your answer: **2:02:23**
